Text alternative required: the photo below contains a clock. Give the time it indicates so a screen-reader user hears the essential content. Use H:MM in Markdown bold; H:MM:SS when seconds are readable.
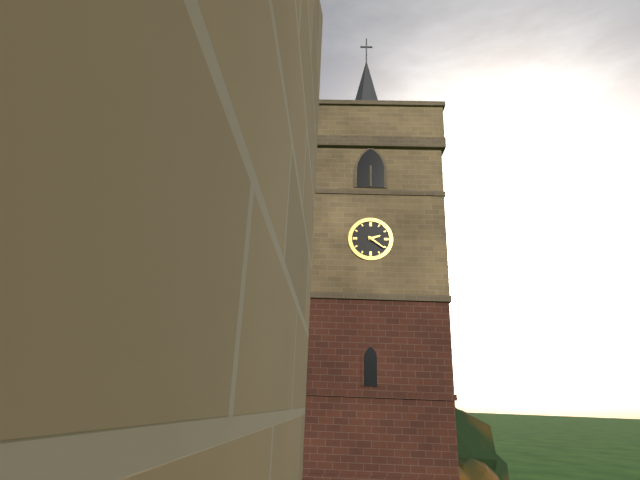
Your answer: **2:21**
